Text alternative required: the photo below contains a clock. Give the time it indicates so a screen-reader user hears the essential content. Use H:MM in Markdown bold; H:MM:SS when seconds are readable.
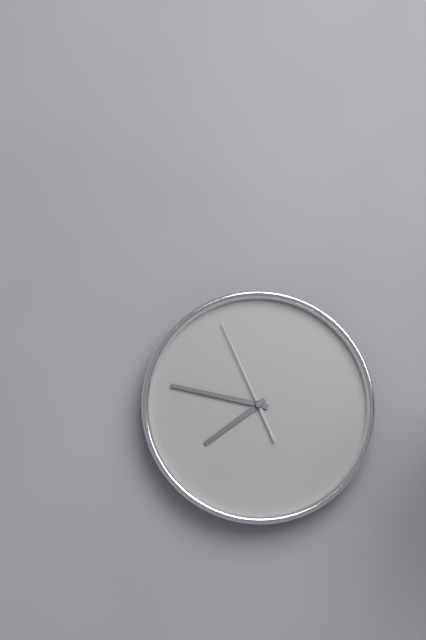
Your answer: **7:47:56**
